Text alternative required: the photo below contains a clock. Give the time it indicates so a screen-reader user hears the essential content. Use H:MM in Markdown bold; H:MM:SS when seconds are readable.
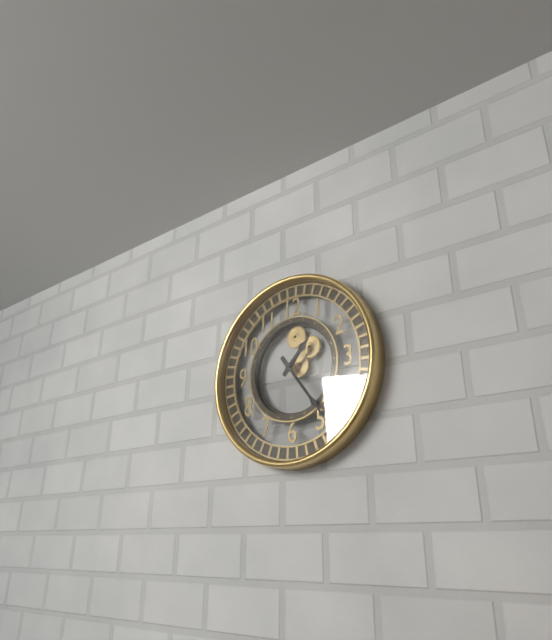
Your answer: **1:24**
